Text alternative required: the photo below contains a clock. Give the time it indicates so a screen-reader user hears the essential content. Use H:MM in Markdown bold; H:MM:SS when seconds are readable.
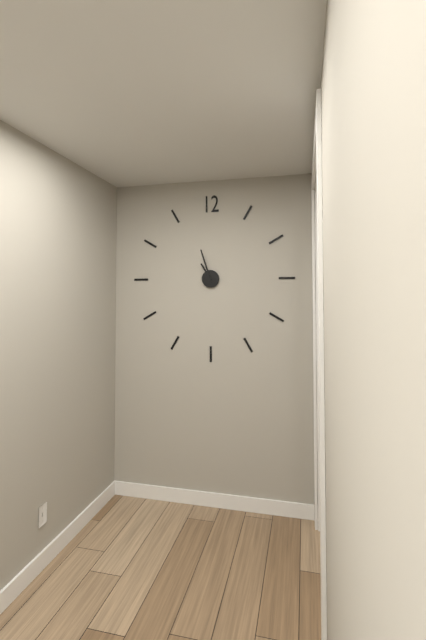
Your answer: **10:57**
